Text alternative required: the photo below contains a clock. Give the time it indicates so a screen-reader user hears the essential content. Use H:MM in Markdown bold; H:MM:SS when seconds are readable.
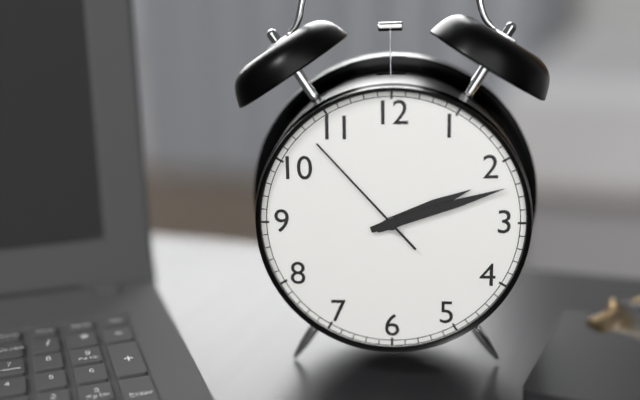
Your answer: **2:12:53**
